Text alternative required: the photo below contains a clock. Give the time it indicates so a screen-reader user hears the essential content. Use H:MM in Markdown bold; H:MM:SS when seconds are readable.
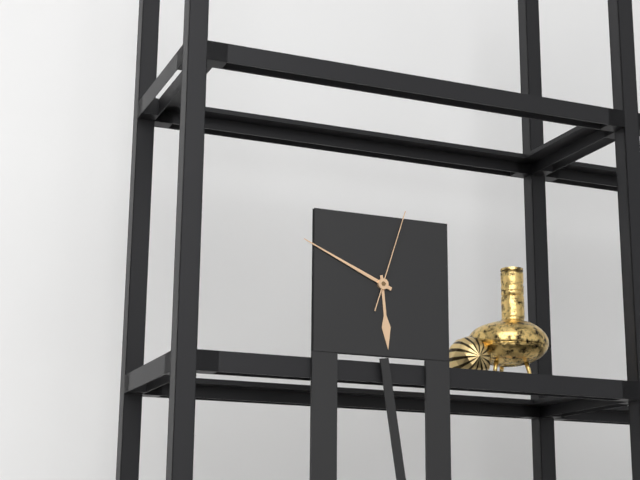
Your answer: **5:49:03**
